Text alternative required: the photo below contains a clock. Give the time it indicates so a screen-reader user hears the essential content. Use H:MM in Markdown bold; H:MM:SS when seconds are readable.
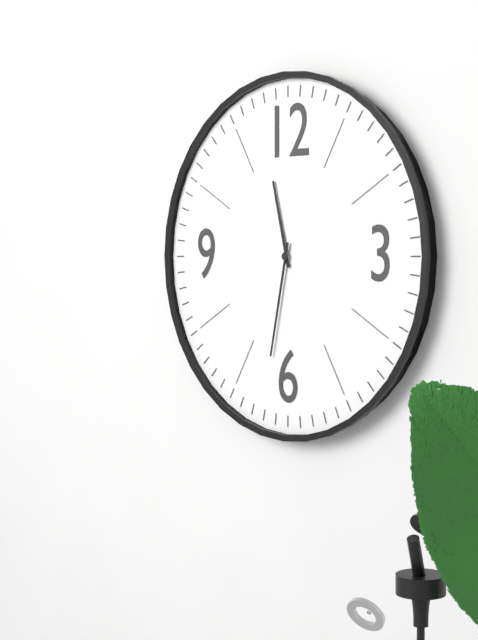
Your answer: **11:32**
